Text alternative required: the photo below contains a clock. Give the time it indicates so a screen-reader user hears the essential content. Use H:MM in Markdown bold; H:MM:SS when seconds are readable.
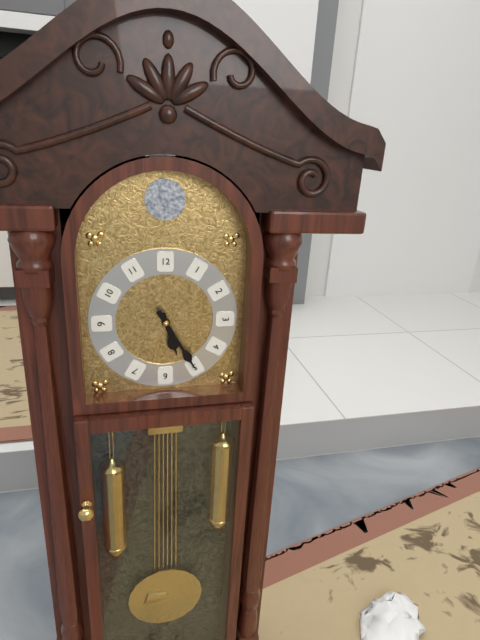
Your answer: **5:25**
